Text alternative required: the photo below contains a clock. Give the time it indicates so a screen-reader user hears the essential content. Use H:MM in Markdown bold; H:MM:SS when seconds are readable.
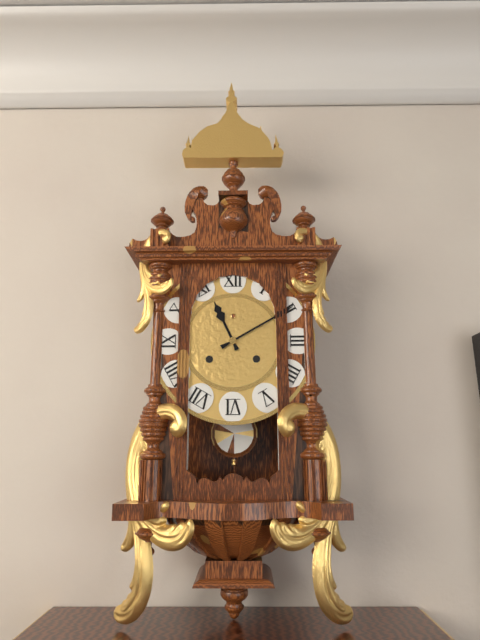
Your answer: **11:10**
